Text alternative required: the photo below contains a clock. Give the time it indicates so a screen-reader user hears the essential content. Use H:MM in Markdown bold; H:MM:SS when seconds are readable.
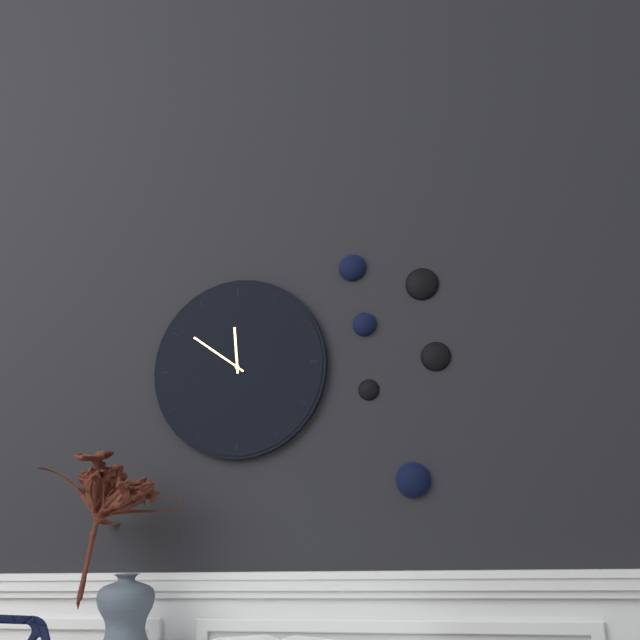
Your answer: **11:51**
